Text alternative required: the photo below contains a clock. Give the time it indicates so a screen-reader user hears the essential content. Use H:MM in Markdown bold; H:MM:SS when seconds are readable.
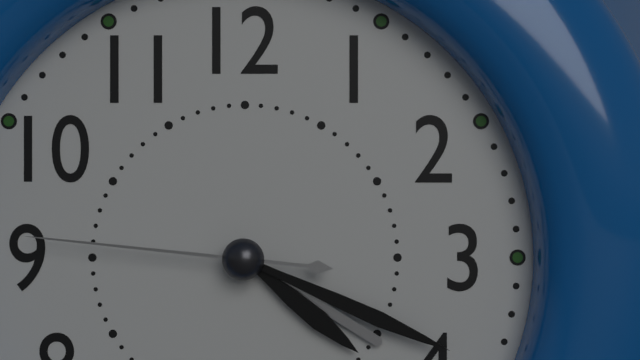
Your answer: **4:19:46**
